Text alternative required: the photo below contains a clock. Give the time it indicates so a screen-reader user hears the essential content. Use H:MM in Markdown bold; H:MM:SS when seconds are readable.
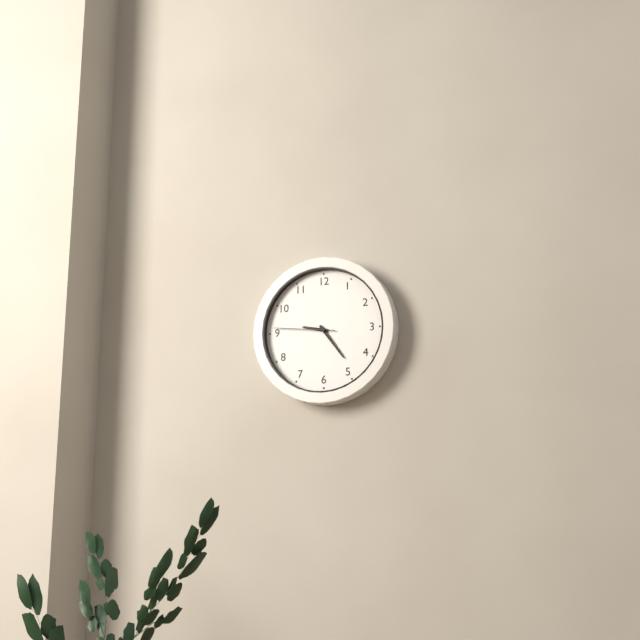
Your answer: **9:24:46**
